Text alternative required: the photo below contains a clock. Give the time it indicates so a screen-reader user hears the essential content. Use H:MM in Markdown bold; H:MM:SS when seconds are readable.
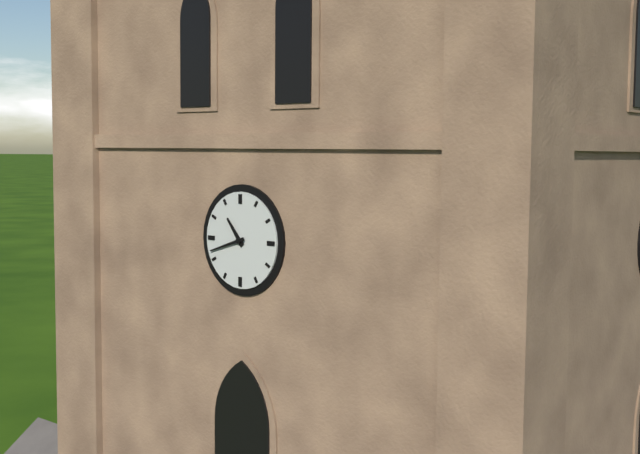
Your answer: **10:42**
